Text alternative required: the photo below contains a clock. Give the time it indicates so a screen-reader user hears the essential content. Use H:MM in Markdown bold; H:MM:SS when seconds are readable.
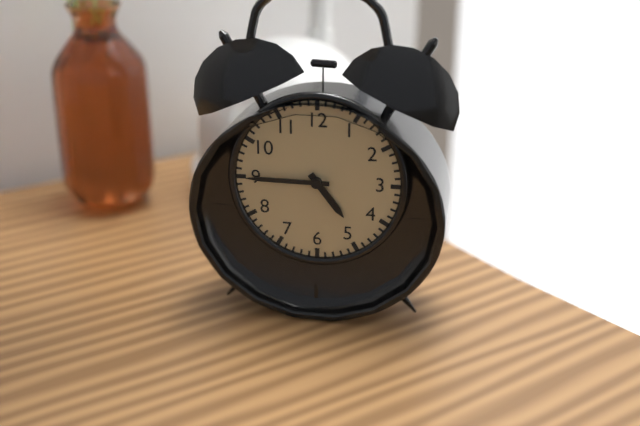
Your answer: **4:45**
